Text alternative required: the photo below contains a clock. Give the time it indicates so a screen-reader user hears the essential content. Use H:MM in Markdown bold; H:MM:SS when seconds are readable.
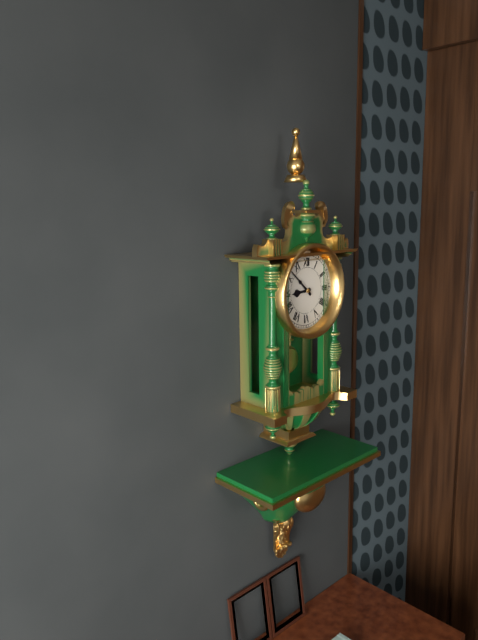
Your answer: **8:52**
